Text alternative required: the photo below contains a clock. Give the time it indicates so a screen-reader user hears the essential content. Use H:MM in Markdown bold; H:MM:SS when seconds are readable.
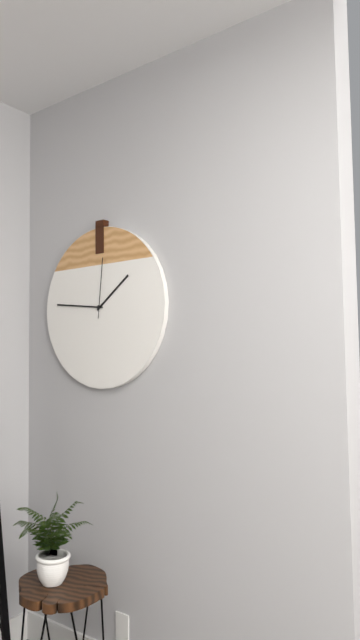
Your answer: **1:46:01**
